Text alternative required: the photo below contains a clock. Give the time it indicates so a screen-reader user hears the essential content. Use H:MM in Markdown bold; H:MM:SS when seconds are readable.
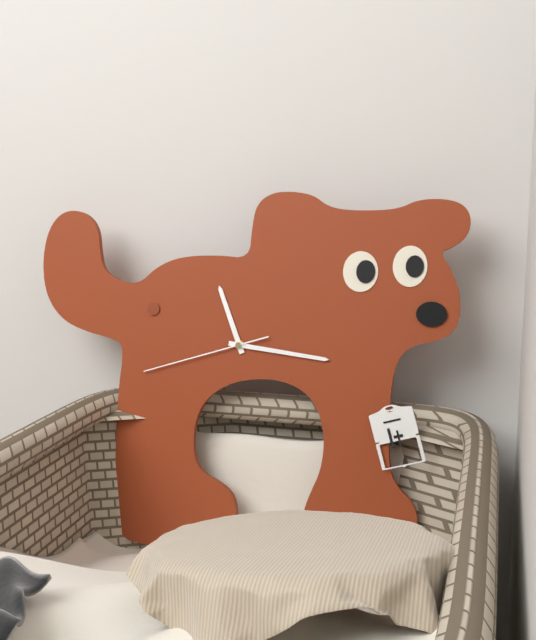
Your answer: **11:16:42**
